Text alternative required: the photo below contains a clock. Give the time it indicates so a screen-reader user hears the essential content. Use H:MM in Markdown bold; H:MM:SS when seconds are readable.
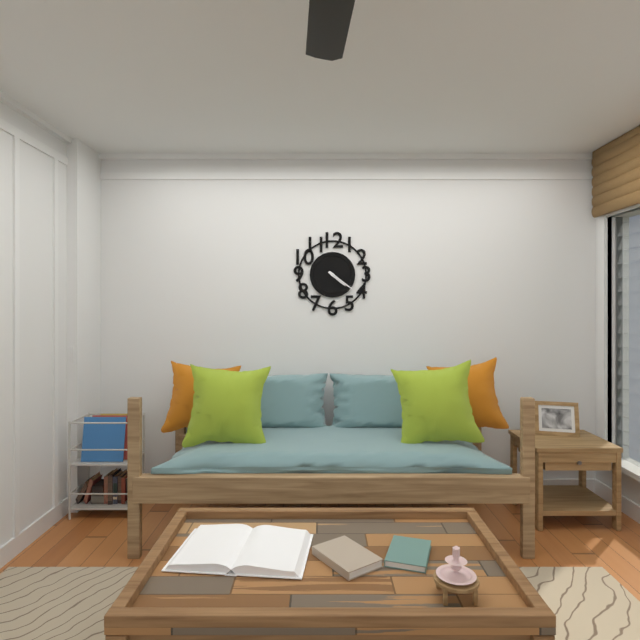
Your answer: **4:21**
